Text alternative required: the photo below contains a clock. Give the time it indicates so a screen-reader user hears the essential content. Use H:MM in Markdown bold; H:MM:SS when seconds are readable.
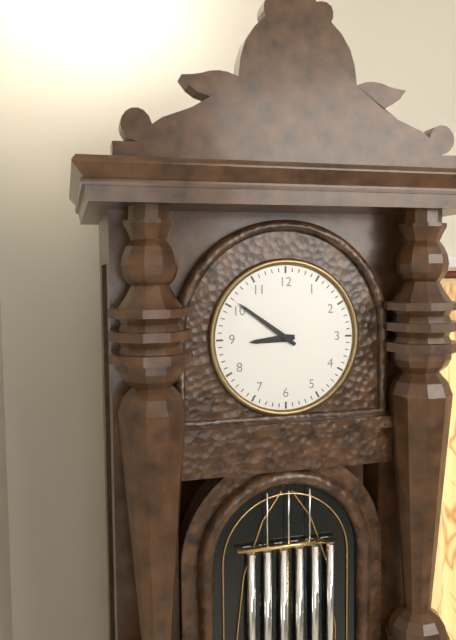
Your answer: **8:51**
